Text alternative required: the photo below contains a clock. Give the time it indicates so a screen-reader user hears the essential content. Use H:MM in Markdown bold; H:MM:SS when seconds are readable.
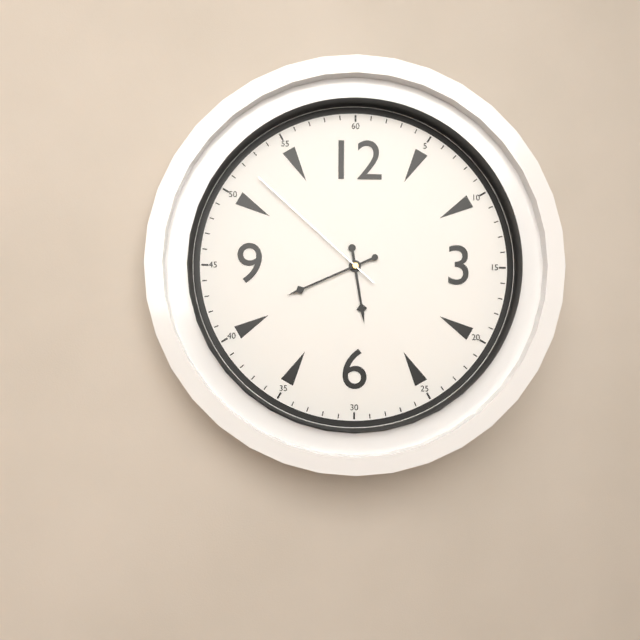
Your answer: **5:41:52**
